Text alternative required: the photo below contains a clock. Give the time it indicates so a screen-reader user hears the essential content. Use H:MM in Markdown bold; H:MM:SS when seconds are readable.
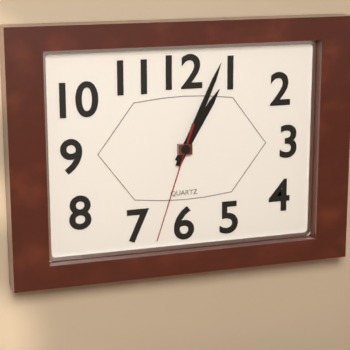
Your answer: **1:04:33**
